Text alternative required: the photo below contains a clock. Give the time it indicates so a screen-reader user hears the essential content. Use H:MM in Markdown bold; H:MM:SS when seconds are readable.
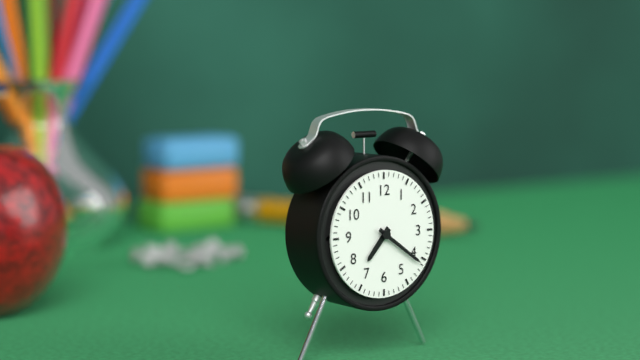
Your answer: **7:21**
